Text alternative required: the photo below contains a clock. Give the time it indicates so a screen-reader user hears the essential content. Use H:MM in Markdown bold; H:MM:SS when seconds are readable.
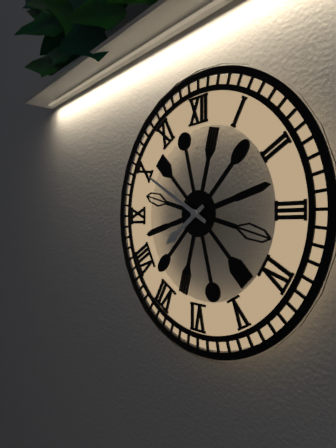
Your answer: **7:50**
